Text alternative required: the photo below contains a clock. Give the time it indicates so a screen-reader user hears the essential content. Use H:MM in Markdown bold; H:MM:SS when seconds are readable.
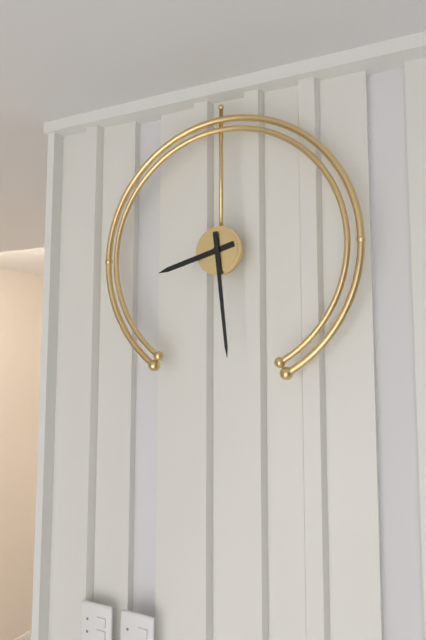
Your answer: **8:29**
